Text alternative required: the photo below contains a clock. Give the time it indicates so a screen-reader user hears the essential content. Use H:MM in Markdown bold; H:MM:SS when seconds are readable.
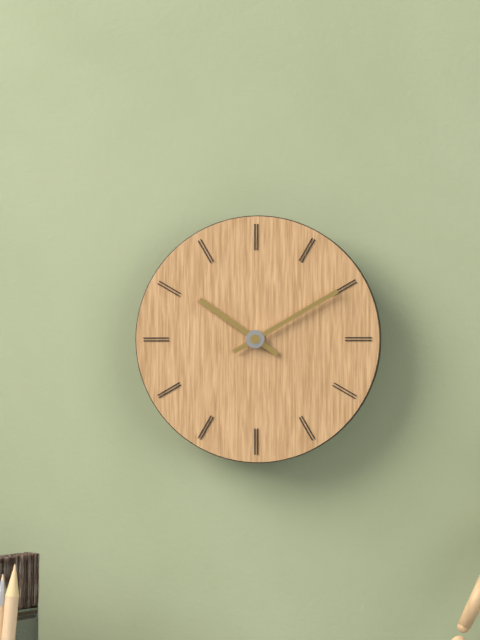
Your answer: **10:10**
